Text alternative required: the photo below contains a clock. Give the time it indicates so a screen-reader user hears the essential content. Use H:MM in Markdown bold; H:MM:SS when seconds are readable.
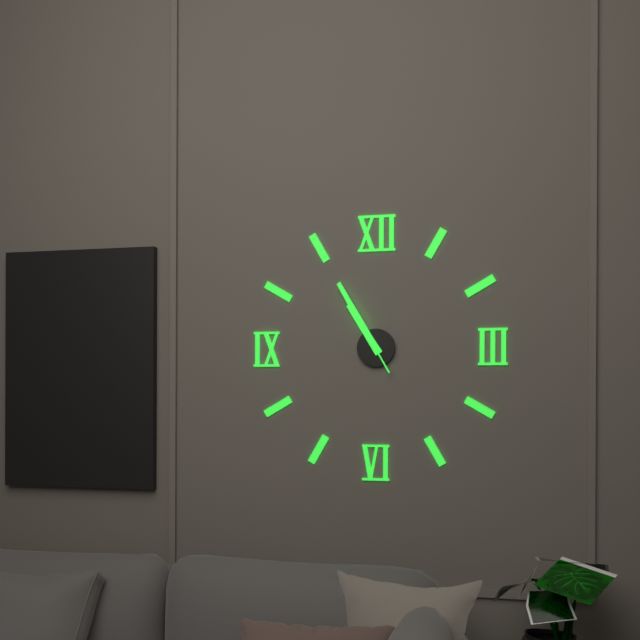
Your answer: **10:55:55**
